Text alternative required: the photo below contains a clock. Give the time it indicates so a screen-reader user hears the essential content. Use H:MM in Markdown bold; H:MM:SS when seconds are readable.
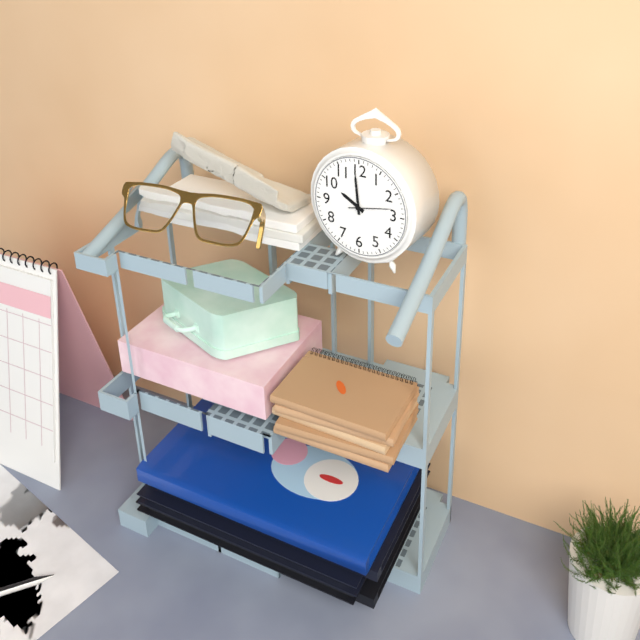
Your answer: **9:59**
